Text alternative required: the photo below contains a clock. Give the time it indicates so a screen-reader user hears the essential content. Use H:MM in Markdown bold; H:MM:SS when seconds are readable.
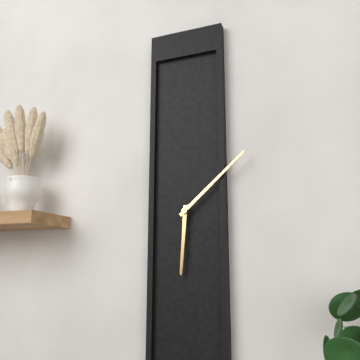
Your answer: **6:08**
